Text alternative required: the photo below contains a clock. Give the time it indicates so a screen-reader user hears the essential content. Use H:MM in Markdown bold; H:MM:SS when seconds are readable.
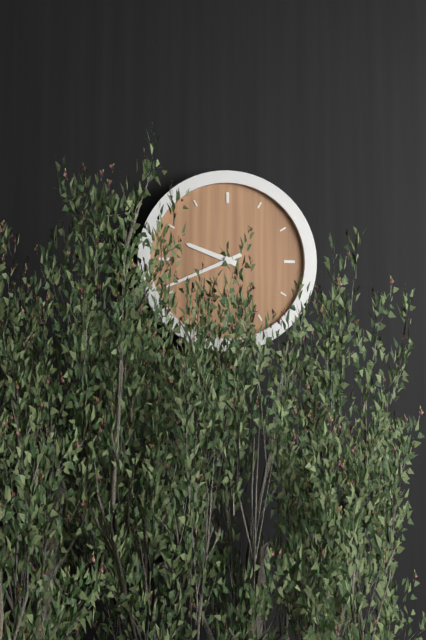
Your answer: **9:41**
